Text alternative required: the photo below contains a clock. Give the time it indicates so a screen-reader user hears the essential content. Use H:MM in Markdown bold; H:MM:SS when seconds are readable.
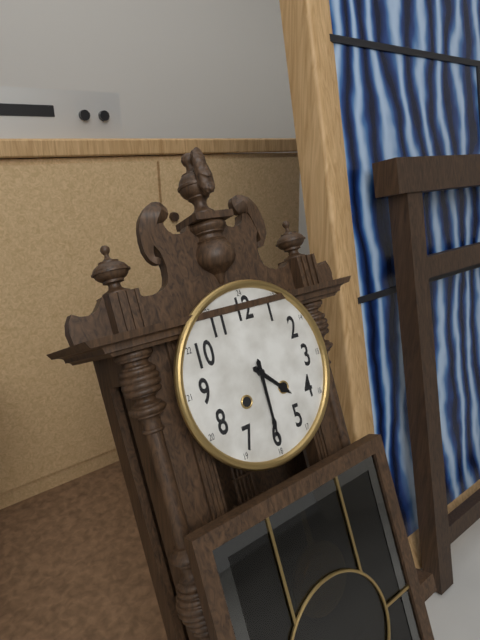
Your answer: **4:30**
